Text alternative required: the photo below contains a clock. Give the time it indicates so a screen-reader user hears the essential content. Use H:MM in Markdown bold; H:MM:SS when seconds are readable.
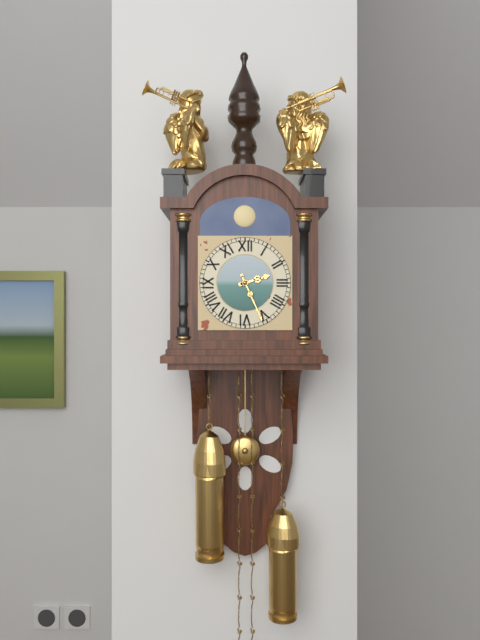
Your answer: **2:26**
